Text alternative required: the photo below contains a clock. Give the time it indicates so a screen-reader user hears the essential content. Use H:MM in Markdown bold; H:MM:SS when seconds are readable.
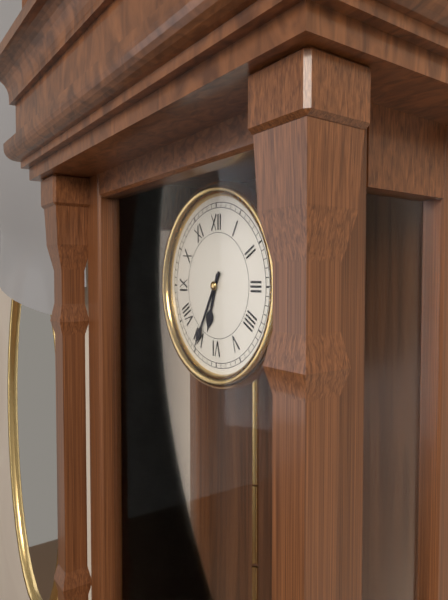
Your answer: **6:35**
